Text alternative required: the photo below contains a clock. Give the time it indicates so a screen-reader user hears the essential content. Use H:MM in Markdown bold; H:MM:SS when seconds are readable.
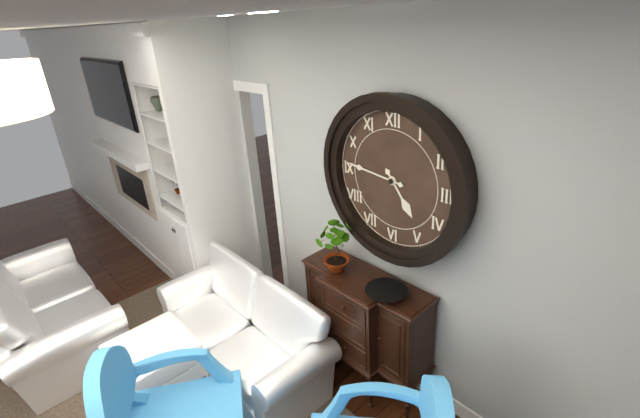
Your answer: **4:46**
